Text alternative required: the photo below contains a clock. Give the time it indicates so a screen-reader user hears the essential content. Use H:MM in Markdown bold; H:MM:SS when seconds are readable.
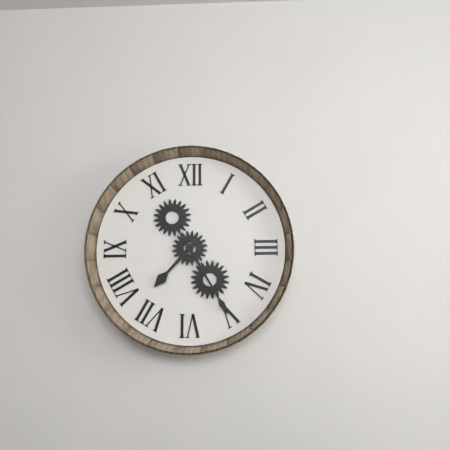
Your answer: **7:25**
